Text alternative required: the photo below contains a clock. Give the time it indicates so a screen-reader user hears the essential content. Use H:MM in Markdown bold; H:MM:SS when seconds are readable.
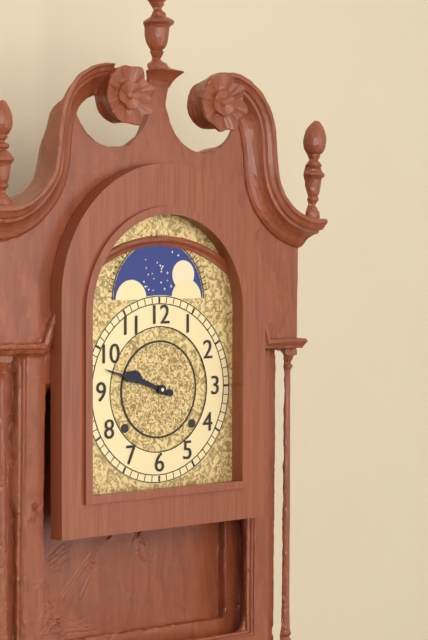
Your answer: **9:48**
